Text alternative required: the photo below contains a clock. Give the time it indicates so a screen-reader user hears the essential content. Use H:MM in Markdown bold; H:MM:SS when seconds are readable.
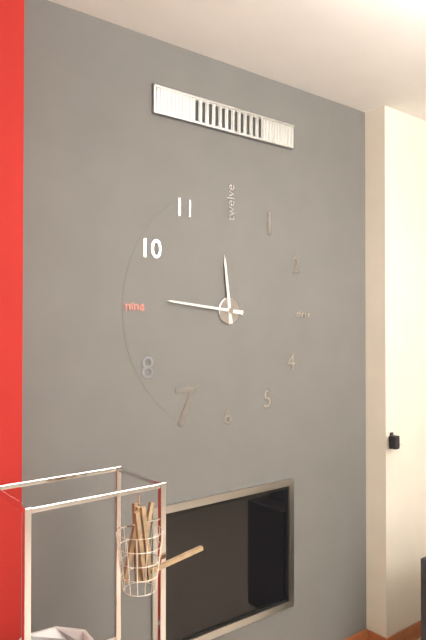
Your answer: **11:46**
